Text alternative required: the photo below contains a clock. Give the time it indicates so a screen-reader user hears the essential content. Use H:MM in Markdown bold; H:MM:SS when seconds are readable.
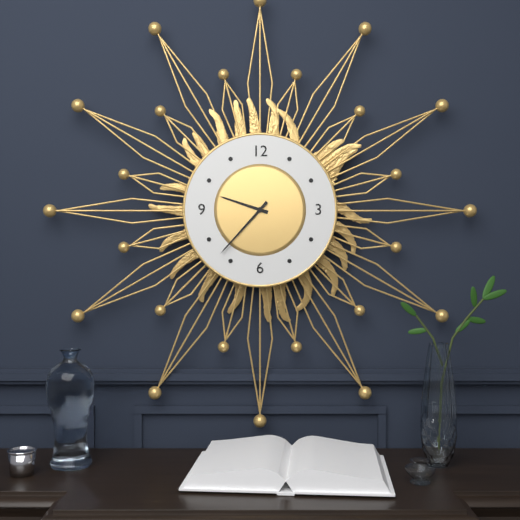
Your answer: **9:37**
